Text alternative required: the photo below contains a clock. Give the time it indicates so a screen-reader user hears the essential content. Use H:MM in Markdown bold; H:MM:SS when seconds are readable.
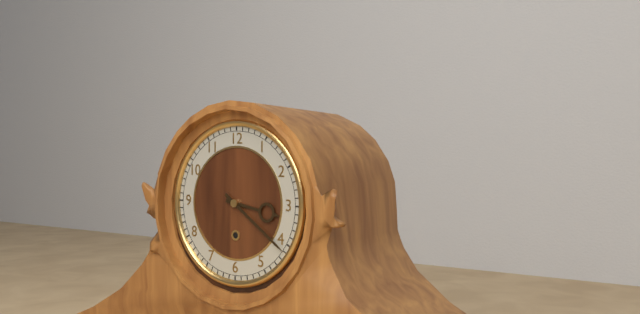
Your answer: **3:21**
